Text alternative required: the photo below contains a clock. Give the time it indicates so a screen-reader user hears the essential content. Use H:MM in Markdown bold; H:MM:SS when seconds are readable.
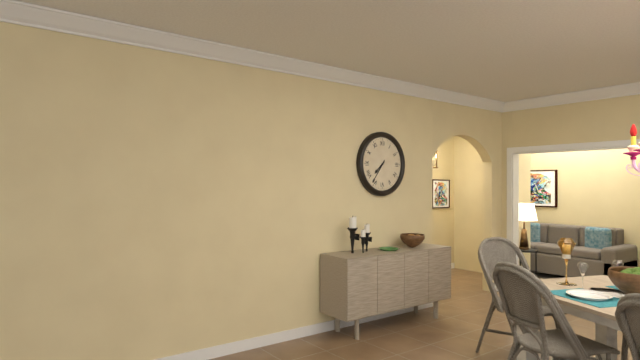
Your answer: **7:36**
